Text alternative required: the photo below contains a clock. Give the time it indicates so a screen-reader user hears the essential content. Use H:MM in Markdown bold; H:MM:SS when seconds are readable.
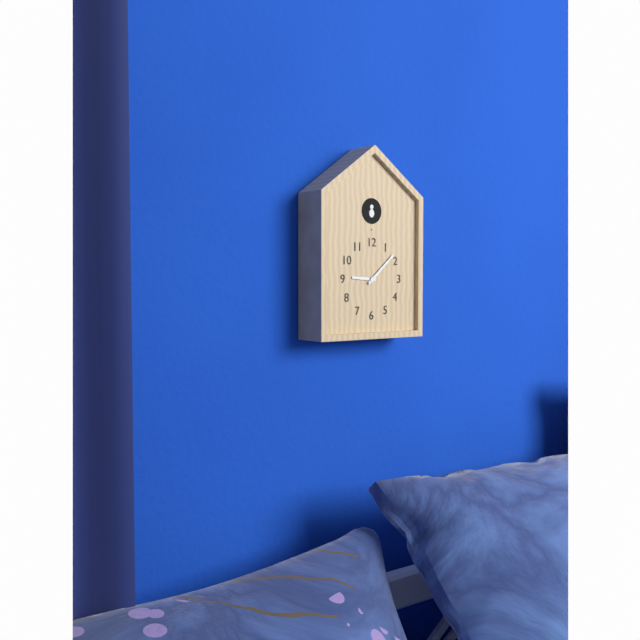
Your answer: **9:08**
